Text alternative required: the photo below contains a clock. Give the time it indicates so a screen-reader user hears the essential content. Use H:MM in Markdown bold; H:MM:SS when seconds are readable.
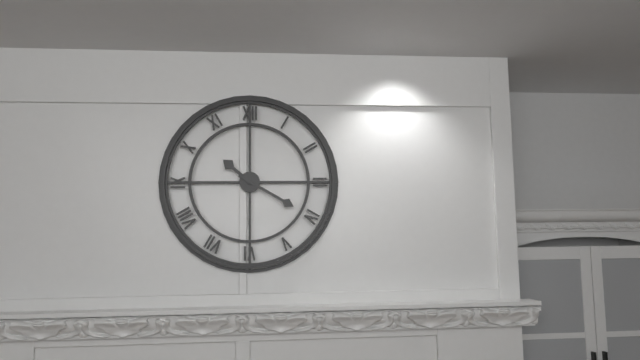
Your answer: **10:20**
